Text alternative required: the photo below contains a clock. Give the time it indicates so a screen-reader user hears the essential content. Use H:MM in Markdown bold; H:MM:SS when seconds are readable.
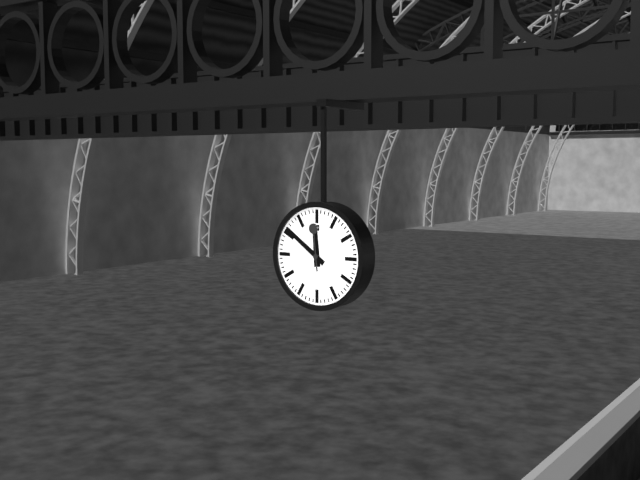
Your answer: **11:51**
